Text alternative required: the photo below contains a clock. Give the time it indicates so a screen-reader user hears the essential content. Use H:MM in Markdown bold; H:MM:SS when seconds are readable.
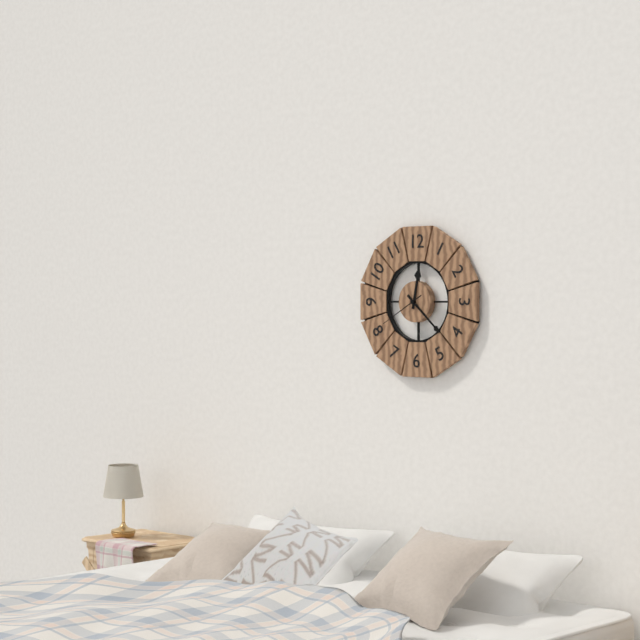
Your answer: **12:22**
